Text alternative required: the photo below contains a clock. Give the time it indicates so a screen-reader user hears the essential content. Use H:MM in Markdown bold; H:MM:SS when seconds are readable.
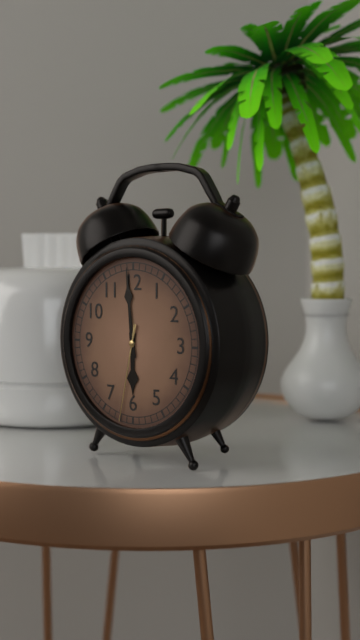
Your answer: **5:59:32**
